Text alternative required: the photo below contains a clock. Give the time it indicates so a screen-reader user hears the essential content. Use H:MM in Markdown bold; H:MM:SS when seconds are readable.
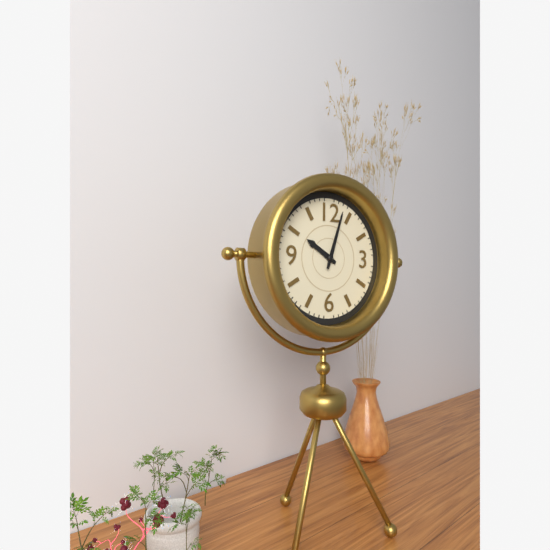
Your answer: **10:03**
